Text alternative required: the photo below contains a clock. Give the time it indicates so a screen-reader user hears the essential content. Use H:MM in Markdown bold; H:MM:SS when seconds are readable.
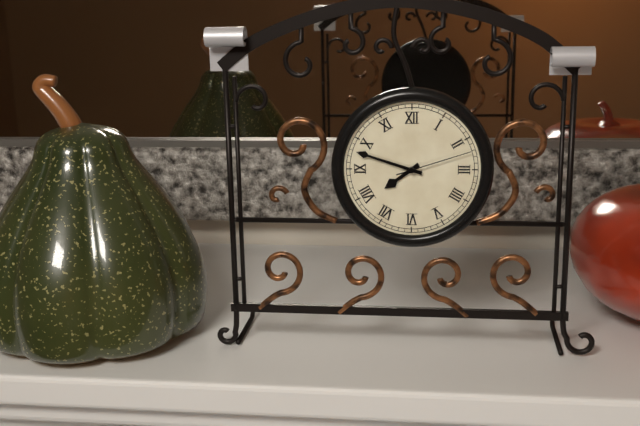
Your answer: **7:48:12**
